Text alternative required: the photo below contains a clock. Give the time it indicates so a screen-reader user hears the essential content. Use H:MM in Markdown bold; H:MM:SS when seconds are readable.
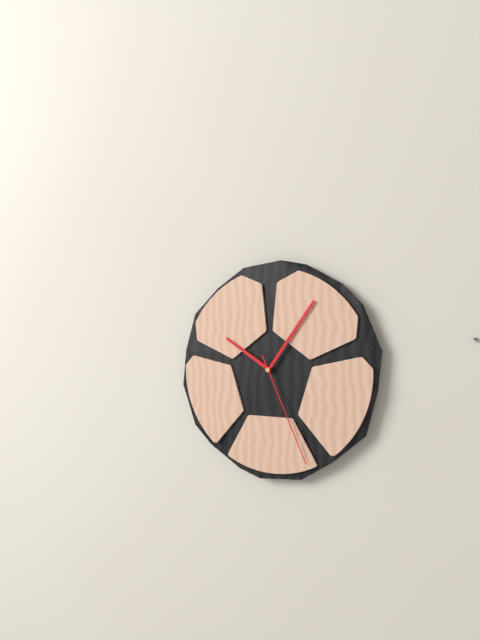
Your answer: **10:06:26**
